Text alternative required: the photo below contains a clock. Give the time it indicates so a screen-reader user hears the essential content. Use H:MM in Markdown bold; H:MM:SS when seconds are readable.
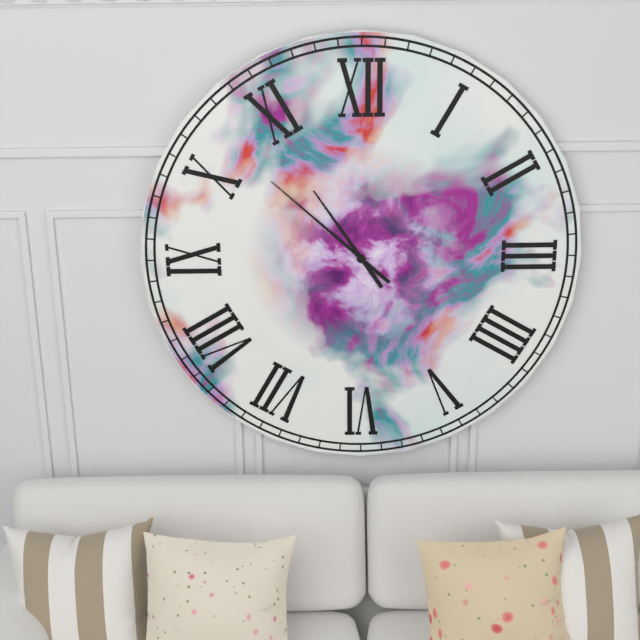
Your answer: **10:52**
